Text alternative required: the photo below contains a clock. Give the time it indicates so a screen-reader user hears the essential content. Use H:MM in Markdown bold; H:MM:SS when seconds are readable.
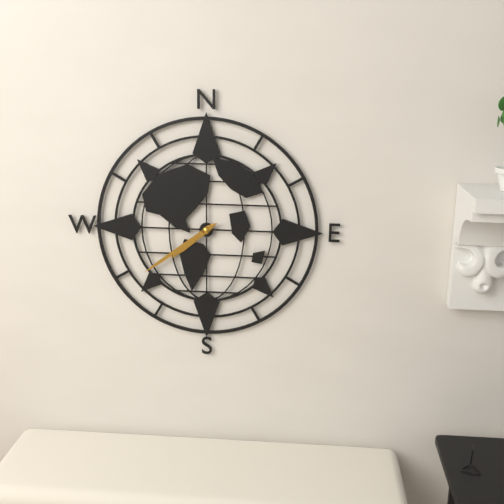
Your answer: **7:39**
